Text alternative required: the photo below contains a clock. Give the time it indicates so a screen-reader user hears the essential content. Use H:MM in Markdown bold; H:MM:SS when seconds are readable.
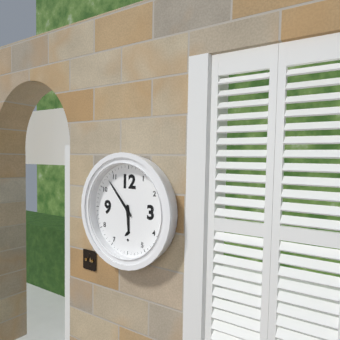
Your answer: **5:53**
